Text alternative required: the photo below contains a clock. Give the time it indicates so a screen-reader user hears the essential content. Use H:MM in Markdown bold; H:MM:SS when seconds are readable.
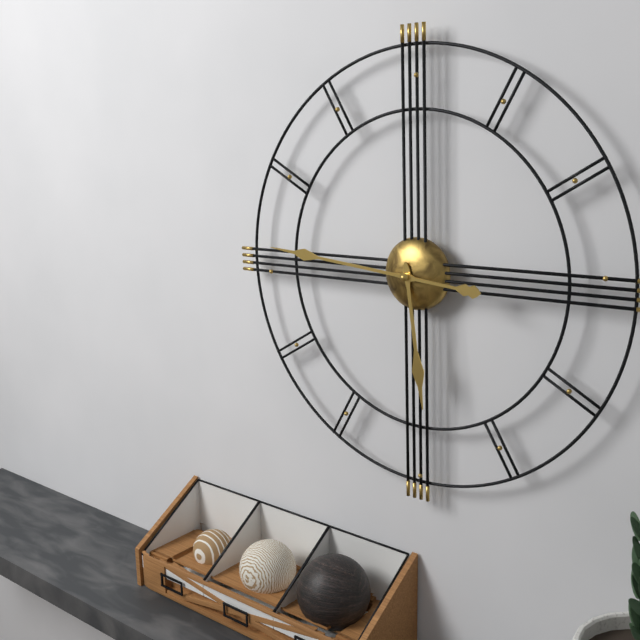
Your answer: **5:46**
